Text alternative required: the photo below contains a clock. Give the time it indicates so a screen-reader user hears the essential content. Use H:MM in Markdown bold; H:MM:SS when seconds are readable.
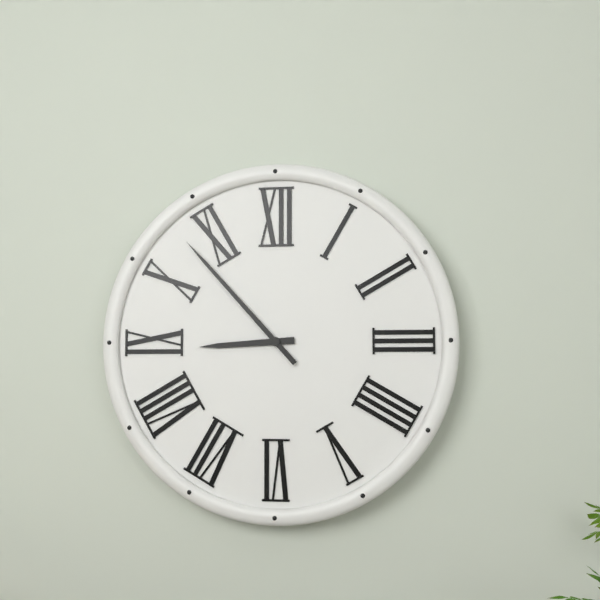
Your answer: **8:53**
